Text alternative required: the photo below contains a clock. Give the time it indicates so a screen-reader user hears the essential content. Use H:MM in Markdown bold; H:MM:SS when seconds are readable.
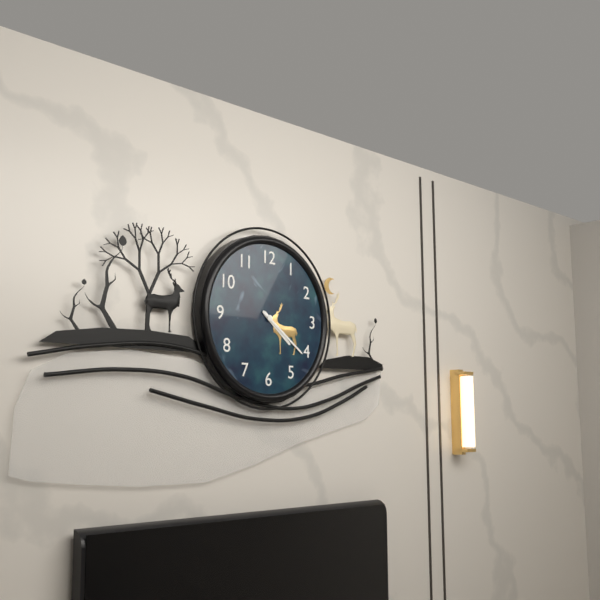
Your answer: **4:21**
